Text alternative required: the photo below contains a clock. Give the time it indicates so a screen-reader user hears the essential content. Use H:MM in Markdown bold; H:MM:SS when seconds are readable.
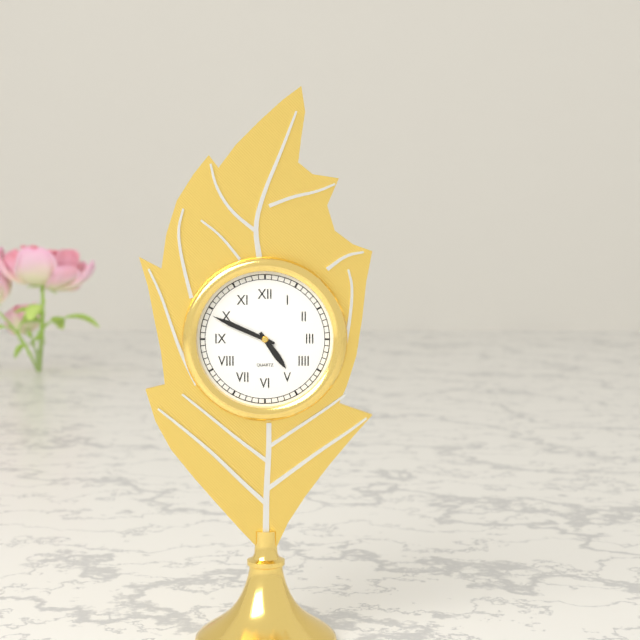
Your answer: **4:49**
